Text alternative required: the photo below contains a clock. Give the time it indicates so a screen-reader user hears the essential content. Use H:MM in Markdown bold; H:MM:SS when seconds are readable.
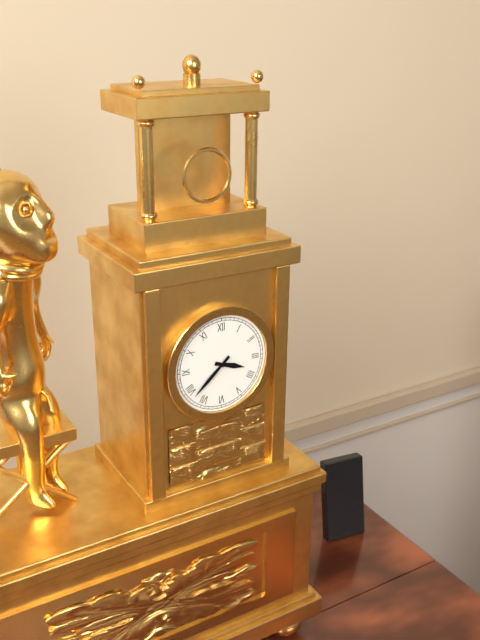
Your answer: **3:38**
